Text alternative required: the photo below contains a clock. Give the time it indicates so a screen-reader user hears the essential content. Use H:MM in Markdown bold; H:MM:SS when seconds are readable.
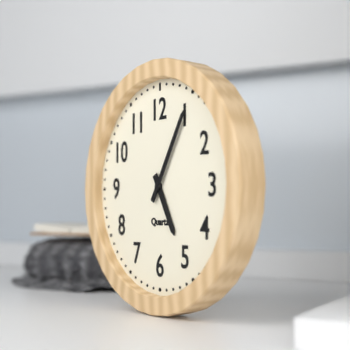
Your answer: **5:05**
